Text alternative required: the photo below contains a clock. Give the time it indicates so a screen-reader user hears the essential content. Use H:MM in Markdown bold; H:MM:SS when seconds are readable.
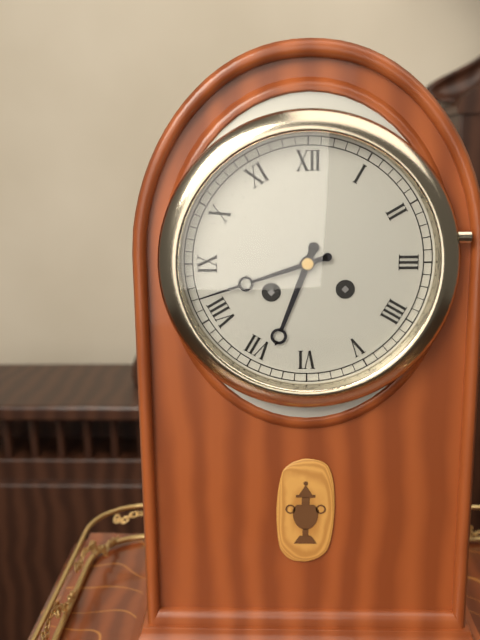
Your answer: **6:42**
